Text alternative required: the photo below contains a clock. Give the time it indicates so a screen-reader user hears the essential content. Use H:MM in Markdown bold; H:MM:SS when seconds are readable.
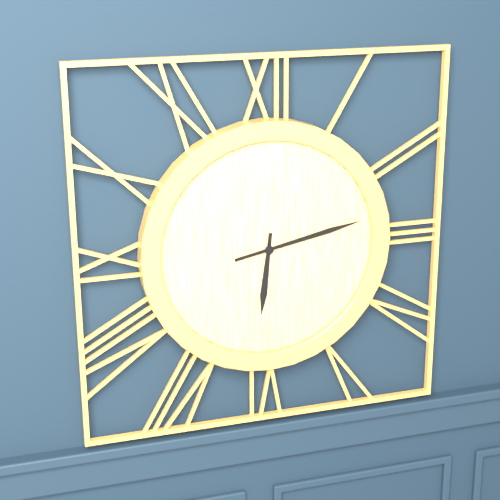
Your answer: **6:13**
